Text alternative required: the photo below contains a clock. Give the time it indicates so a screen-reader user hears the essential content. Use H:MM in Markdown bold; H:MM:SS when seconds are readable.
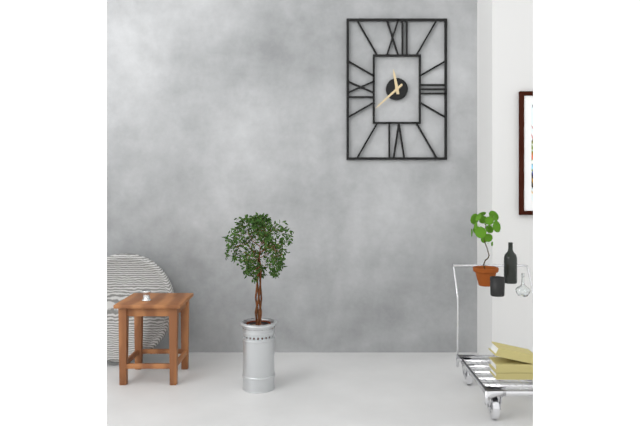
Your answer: **11:38**
